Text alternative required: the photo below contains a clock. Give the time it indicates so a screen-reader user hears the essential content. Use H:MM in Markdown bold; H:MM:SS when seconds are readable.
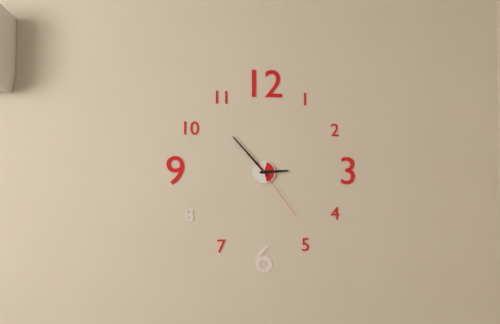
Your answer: **2:53:24**
